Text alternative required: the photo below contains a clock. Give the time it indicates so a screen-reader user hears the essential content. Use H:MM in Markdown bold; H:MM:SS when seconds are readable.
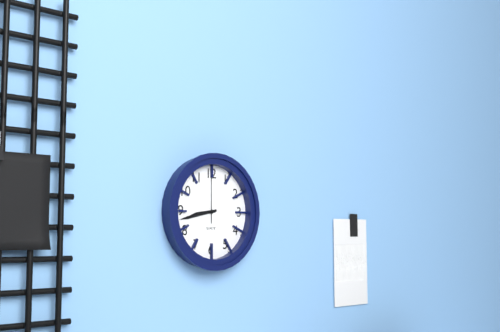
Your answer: **8:43:00**
